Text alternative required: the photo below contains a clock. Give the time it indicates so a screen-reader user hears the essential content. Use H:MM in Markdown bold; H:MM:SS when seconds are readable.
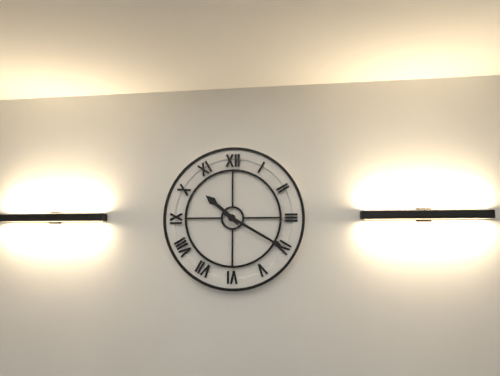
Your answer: **10:20**
